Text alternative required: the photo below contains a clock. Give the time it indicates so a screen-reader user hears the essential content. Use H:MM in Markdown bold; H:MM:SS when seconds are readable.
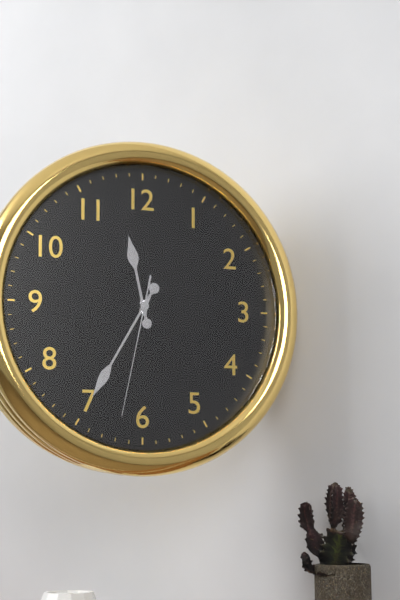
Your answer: **11:35:32**
